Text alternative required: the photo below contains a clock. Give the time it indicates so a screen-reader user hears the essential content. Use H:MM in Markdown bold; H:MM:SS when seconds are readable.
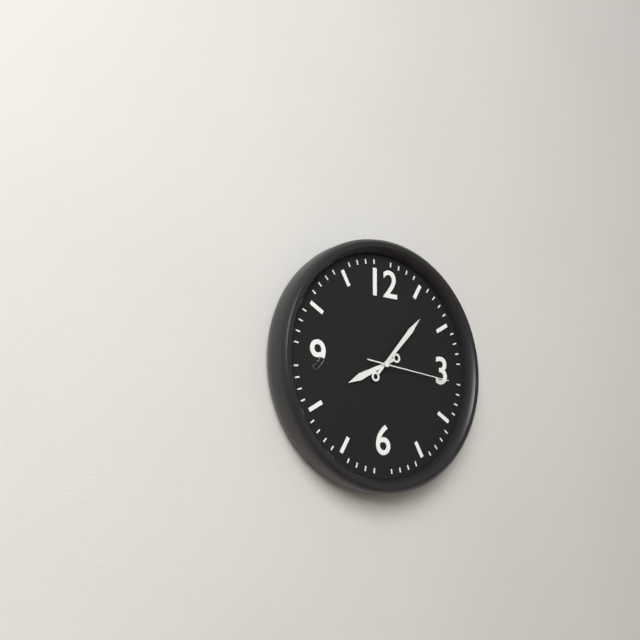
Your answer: **8:07:16**
